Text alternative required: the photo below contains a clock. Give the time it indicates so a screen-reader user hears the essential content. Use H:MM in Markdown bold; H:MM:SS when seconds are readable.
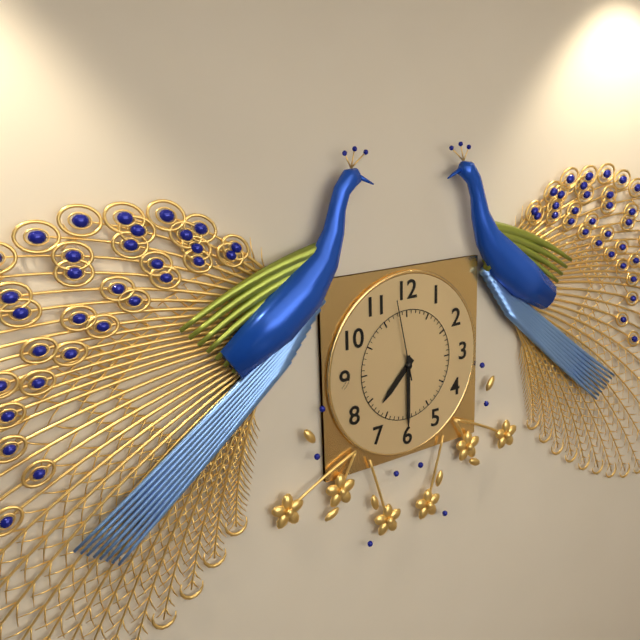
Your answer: **7:30:58**
